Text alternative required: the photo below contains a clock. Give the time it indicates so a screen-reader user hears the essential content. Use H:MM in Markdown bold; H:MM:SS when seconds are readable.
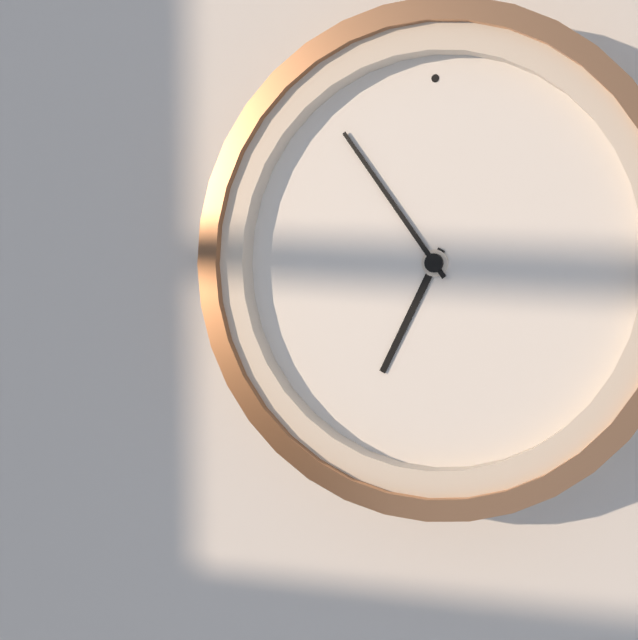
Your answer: **6:54**
